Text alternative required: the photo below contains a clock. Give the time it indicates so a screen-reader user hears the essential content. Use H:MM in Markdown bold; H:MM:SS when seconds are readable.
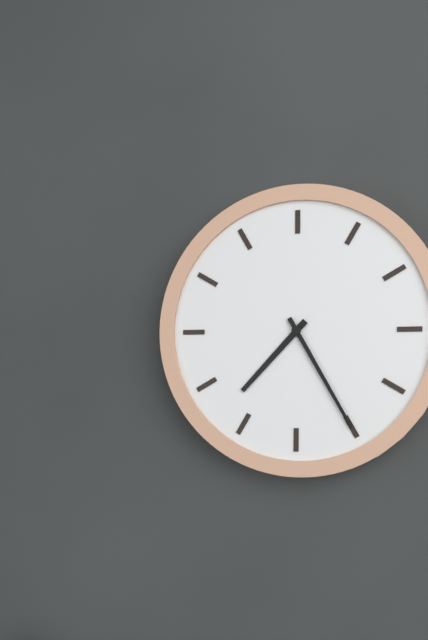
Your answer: **7:25**
